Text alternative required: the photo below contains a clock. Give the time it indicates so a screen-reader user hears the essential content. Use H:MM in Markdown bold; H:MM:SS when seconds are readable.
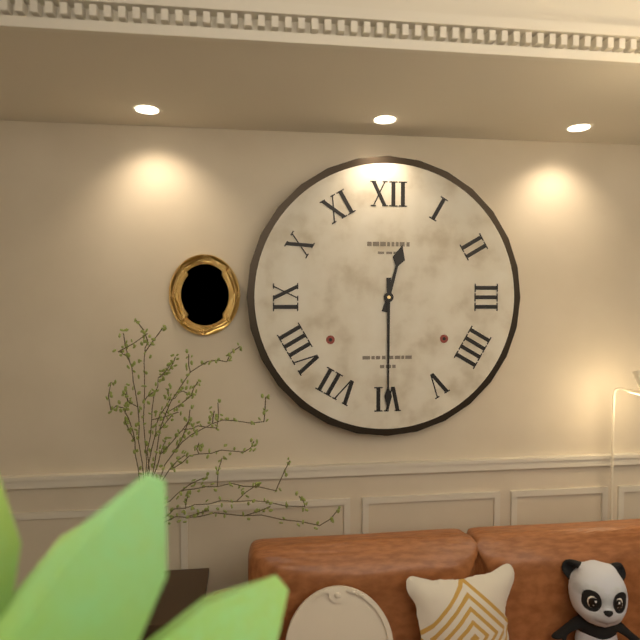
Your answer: **12:30**
